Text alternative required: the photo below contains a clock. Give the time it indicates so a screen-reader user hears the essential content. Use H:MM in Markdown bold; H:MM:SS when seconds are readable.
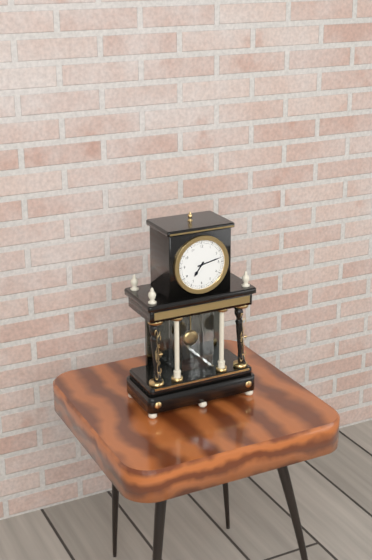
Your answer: **7:13**
